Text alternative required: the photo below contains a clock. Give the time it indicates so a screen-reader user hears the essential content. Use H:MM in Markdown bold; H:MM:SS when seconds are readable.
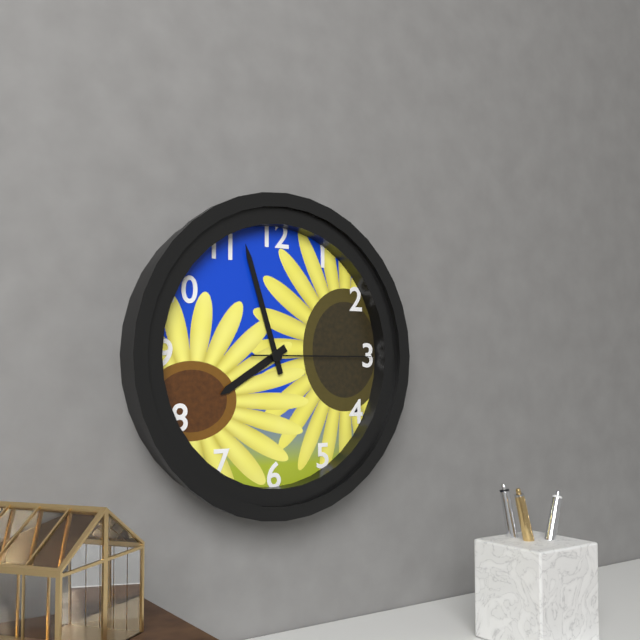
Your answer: **7:57:15**
